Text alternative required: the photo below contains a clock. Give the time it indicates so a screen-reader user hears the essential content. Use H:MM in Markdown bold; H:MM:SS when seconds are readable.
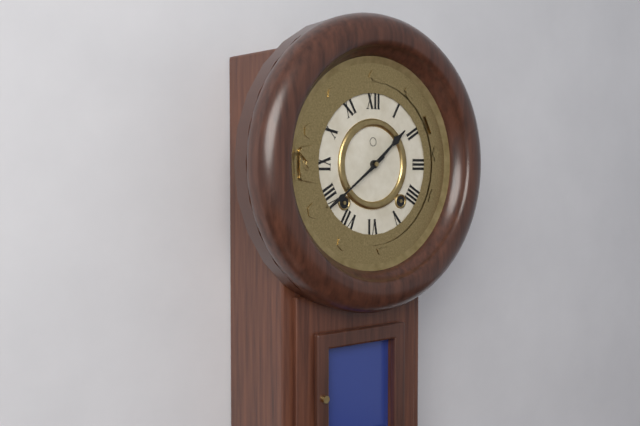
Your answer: **1:39**
